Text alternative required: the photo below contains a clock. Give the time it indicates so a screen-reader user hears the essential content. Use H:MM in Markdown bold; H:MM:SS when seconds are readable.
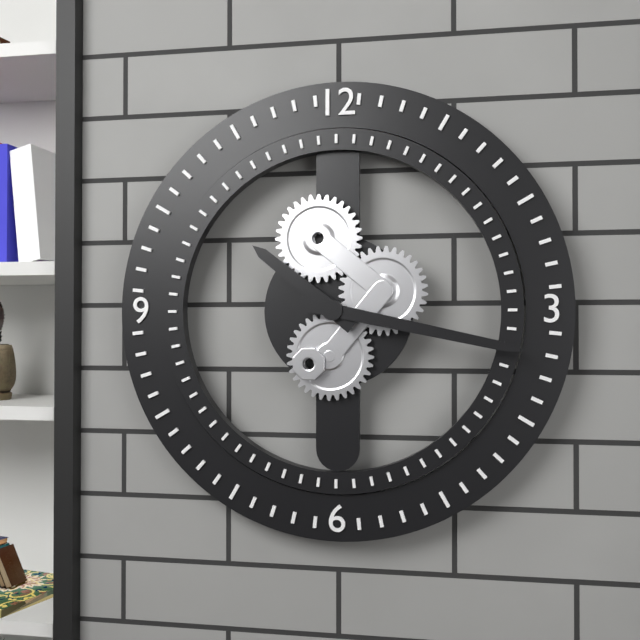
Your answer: **10:17**
